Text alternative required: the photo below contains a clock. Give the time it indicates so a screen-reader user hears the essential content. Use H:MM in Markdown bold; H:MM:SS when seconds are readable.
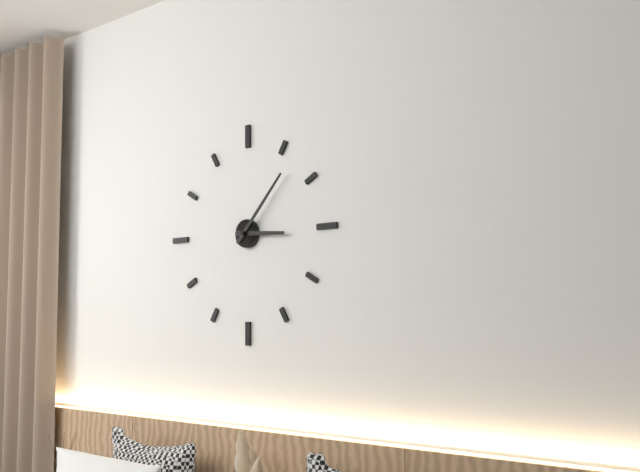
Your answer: **3:07**
